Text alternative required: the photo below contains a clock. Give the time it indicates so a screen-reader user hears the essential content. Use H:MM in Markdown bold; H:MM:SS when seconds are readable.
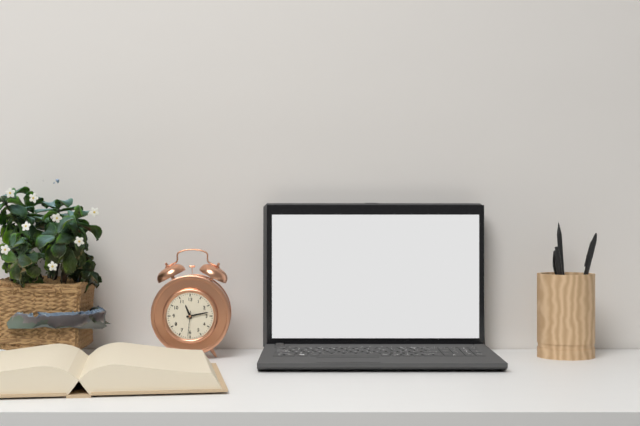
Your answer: **11:13**
